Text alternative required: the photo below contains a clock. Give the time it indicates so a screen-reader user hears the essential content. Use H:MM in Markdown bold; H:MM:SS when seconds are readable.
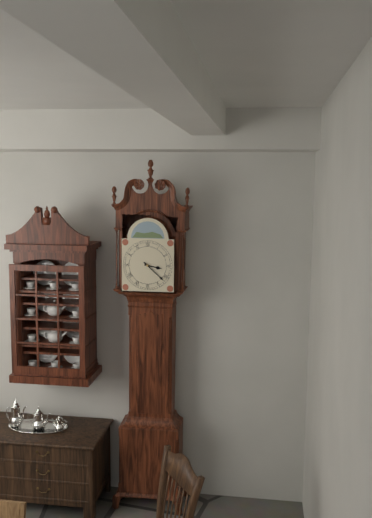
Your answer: **3:22**
